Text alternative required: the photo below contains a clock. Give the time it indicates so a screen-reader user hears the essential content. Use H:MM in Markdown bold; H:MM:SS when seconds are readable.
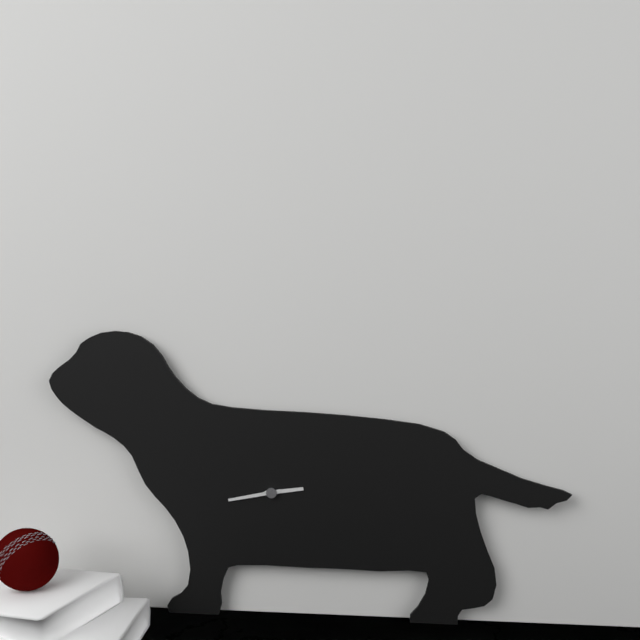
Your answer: **2:43**
